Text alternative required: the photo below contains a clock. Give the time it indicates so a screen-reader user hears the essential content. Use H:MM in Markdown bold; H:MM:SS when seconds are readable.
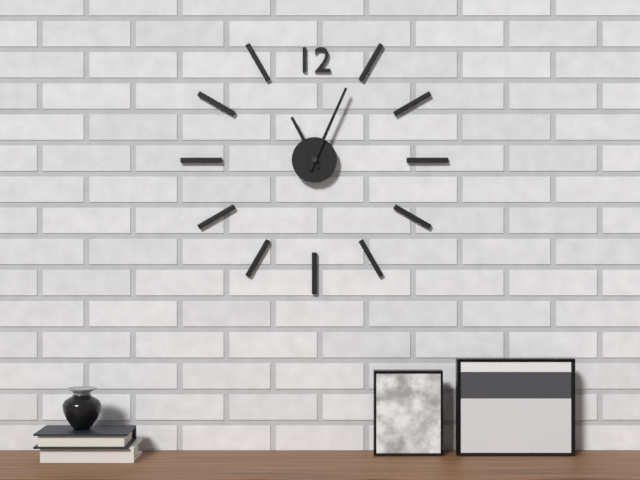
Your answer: **11:04**
